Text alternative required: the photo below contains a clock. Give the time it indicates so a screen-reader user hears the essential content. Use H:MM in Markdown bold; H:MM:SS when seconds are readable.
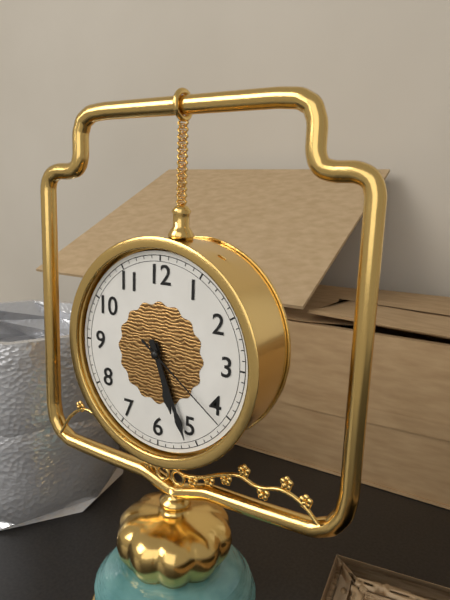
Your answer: **5:26:21**
